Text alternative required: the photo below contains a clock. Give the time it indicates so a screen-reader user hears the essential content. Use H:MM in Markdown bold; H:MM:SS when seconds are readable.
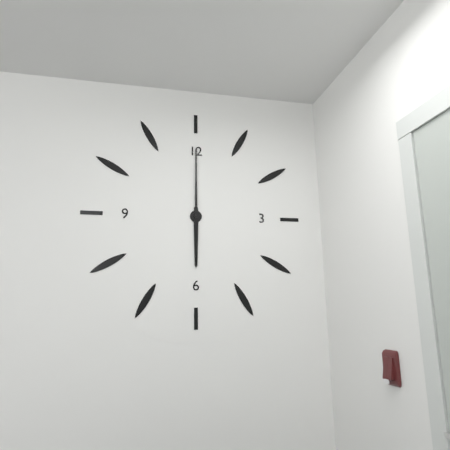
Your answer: **6:00**
